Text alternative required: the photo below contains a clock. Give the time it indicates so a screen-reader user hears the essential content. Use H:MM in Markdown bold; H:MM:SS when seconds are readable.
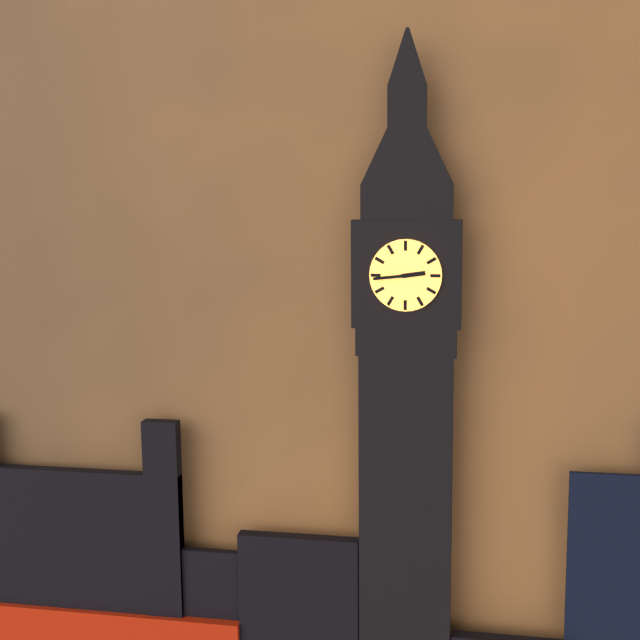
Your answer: **2:44**
